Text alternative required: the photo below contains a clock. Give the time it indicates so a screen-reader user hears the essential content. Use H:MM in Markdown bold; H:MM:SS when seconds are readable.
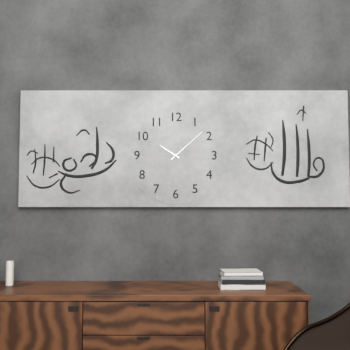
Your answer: **10:08**
